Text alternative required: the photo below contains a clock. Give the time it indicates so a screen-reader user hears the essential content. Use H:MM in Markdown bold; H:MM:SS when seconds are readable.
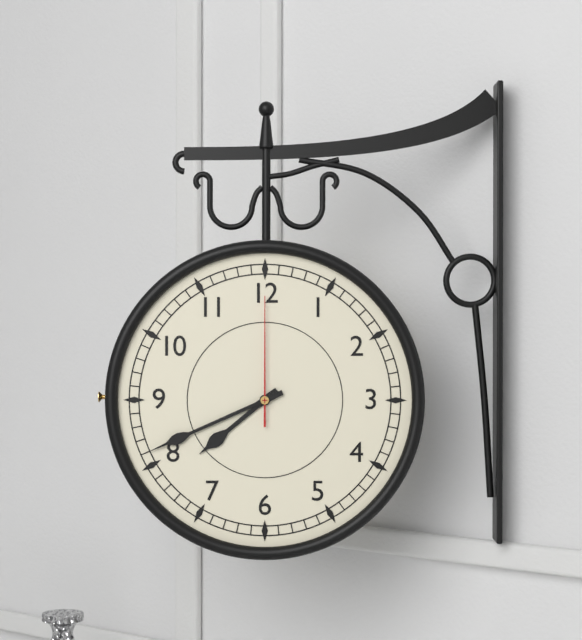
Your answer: **7:41:00**
